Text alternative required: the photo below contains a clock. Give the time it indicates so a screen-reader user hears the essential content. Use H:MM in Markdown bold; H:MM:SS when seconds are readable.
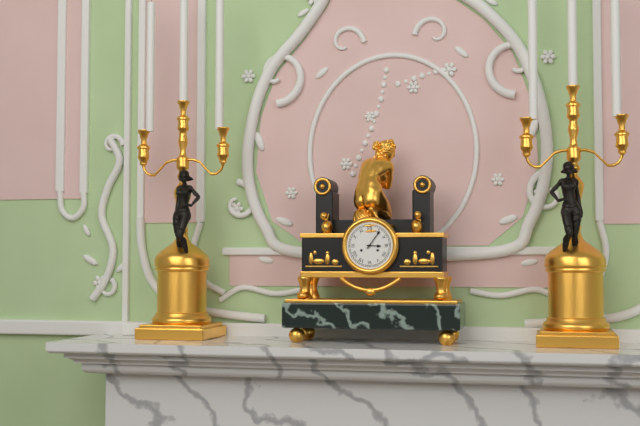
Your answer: **3:06**
